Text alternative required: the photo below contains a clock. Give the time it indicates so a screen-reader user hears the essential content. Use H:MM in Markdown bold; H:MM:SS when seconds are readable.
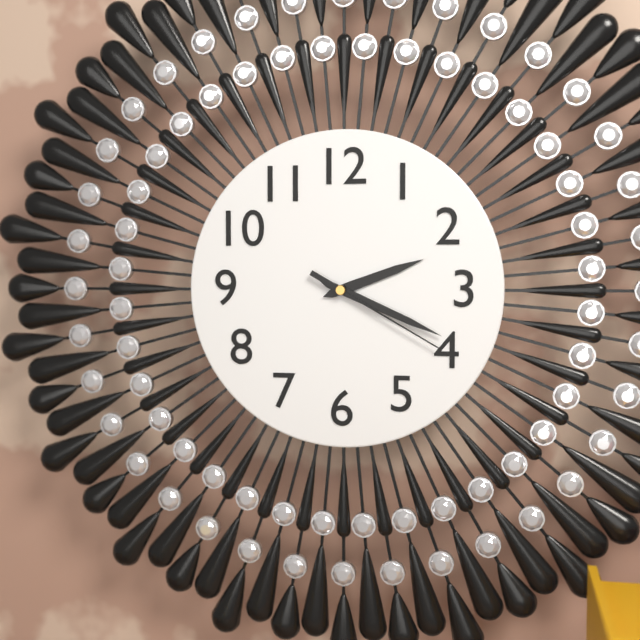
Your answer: **2:19:20**
